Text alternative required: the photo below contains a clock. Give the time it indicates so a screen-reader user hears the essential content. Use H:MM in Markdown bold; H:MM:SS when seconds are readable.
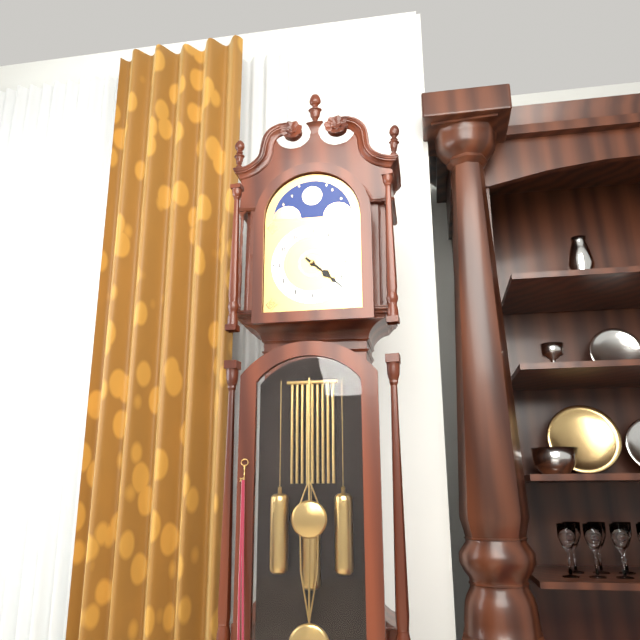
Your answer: **4:22**
